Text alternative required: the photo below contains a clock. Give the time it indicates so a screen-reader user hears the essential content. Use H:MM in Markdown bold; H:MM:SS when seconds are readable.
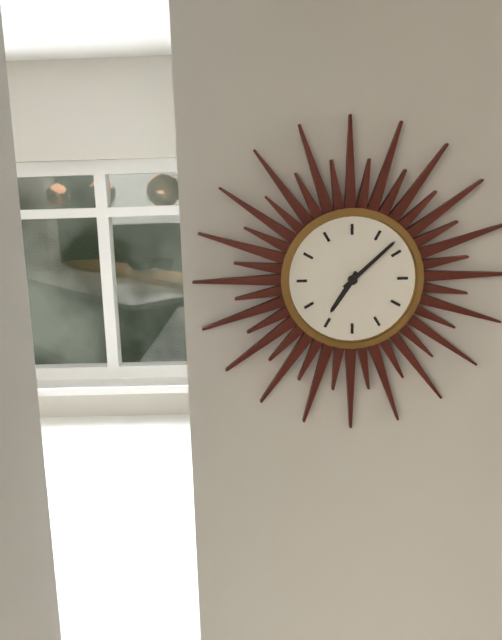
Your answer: **7:08**
